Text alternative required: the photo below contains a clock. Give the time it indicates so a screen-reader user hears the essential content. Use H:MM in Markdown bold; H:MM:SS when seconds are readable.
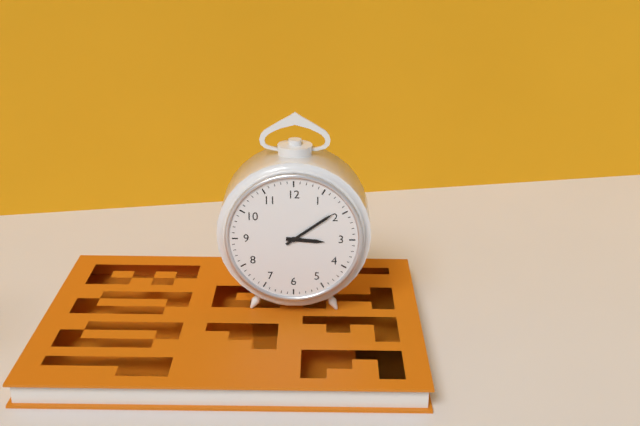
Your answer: **3:09**
